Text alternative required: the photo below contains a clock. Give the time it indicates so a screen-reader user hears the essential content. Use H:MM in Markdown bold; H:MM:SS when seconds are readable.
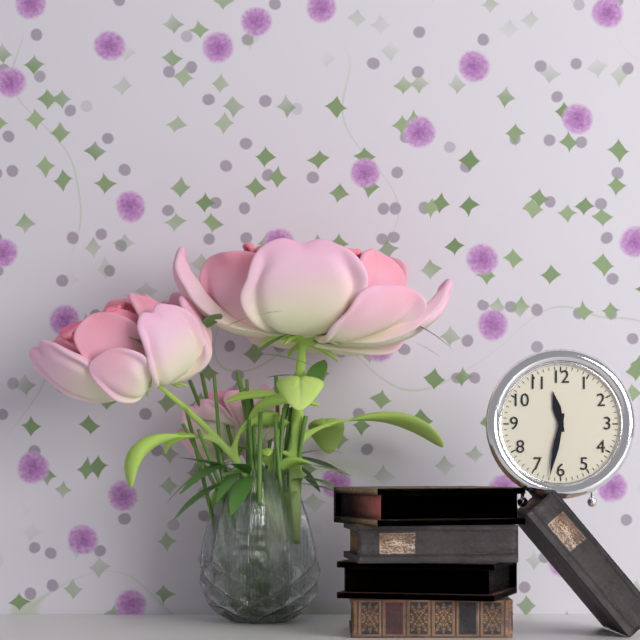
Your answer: **11:32**
